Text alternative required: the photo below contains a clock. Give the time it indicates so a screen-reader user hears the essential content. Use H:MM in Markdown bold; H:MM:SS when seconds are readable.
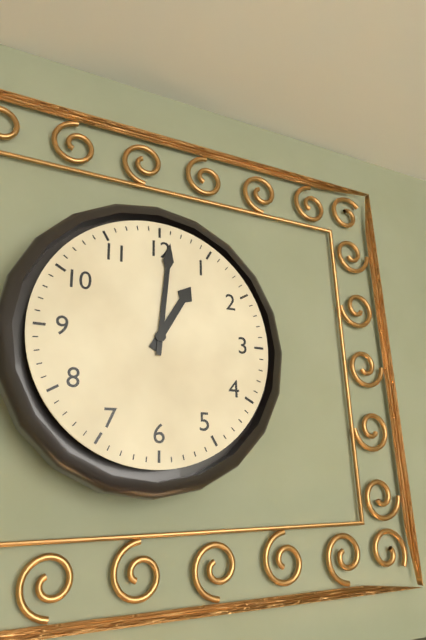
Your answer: **1:01**
